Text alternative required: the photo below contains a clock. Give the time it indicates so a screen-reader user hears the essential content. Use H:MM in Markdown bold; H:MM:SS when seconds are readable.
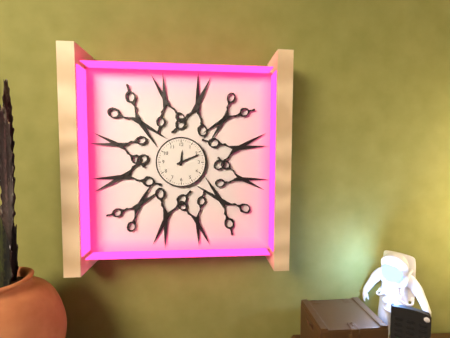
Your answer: **12:11**
